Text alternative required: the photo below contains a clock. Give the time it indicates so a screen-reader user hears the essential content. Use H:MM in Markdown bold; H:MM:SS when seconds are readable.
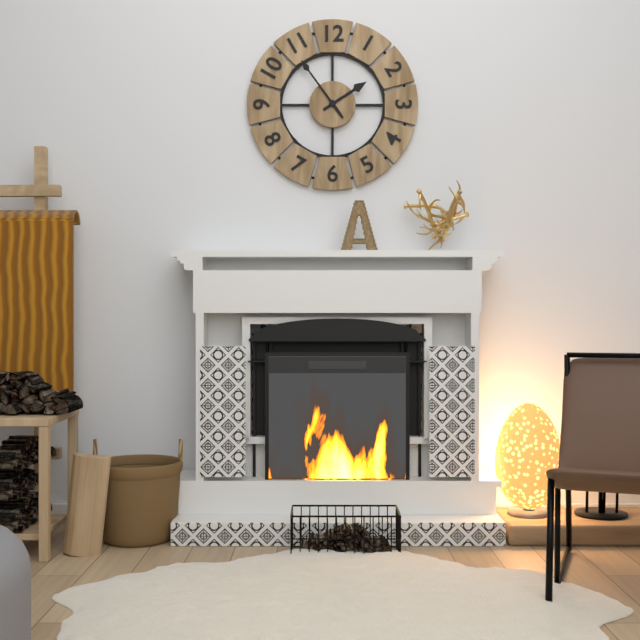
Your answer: **1:54**
